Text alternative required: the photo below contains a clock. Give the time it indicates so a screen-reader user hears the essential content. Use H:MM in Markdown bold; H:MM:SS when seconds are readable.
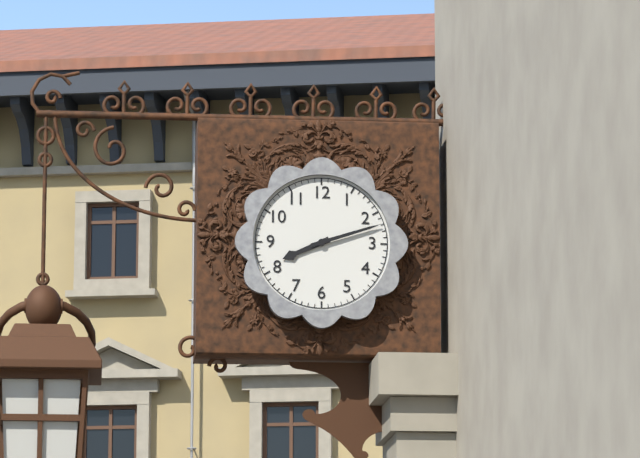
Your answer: **8:12**
